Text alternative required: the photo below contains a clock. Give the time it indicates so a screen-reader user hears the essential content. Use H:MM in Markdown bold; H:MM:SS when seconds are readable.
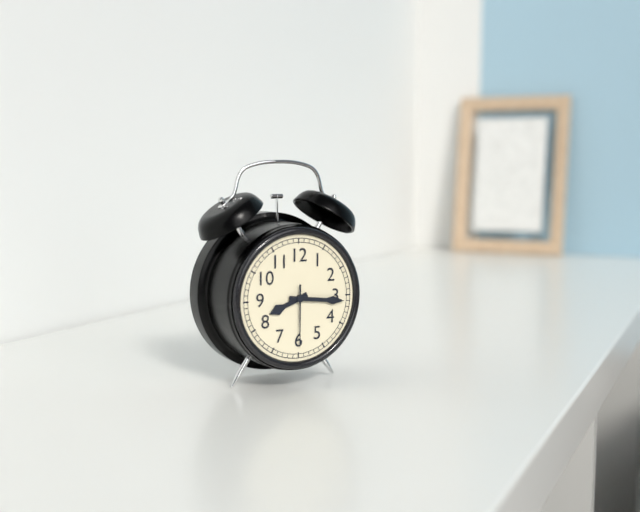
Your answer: **8:16:30**
